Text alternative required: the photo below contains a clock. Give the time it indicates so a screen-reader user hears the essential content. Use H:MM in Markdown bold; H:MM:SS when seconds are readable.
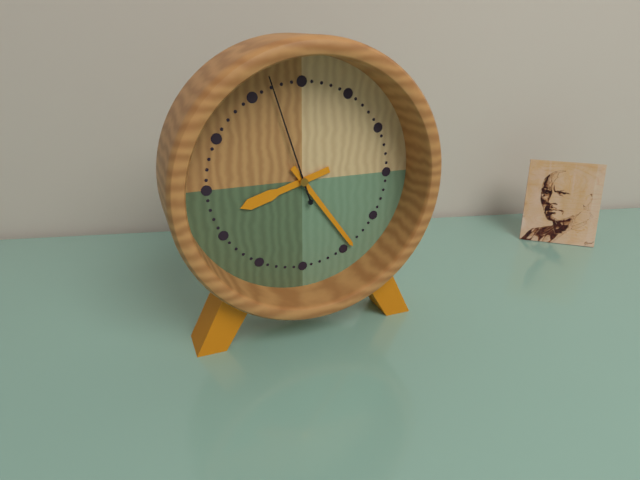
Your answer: **8:24:57**
